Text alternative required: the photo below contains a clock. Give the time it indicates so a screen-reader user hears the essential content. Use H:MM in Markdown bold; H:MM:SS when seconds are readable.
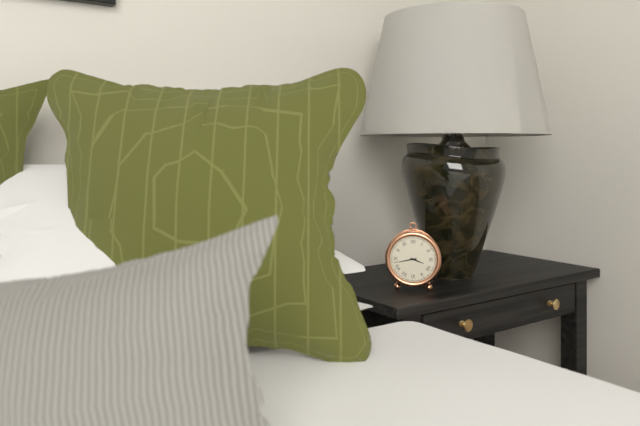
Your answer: **3:43**
